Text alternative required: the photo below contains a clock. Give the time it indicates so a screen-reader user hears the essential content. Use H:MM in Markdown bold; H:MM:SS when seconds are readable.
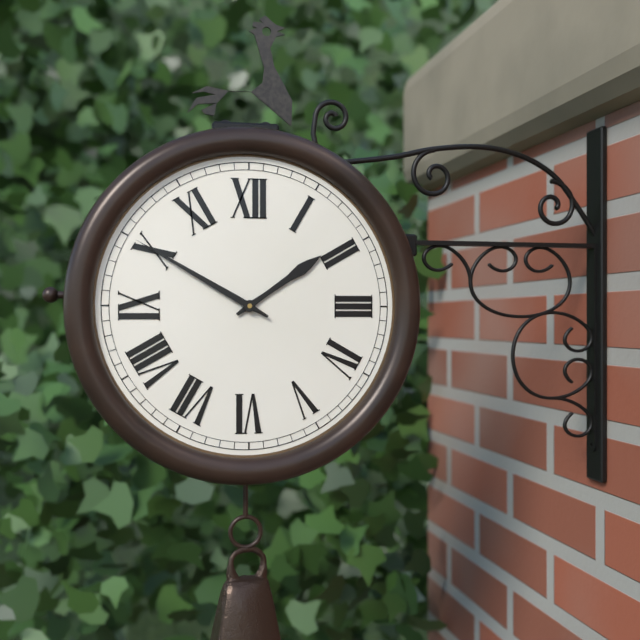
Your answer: **1:50**
